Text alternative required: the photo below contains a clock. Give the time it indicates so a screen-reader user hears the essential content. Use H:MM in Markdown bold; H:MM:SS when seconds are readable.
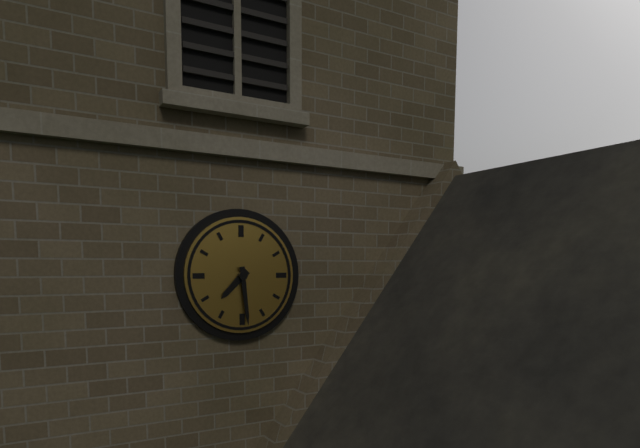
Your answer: **7:29**
